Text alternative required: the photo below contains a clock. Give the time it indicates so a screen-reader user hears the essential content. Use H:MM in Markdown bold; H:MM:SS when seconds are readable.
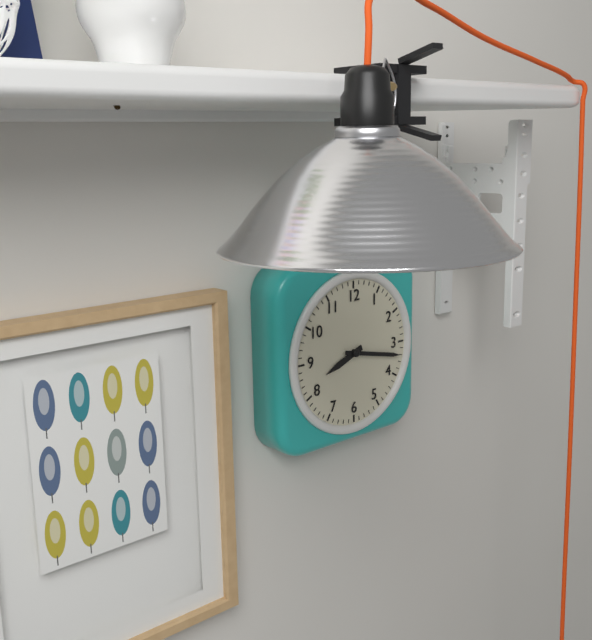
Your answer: **8:17**
